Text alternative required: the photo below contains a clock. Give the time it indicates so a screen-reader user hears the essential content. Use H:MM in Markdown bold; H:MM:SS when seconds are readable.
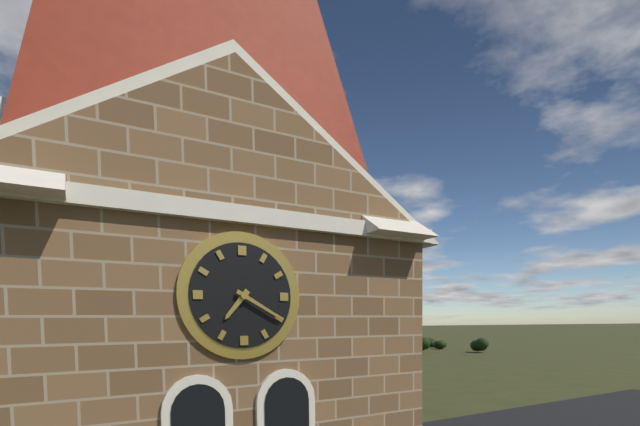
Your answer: **7:20**
